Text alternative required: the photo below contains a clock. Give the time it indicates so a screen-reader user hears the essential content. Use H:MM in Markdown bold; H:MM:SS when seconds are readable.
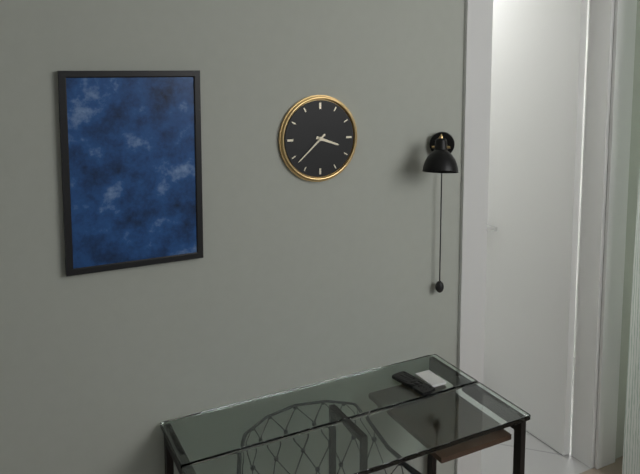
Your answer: **3:38**
